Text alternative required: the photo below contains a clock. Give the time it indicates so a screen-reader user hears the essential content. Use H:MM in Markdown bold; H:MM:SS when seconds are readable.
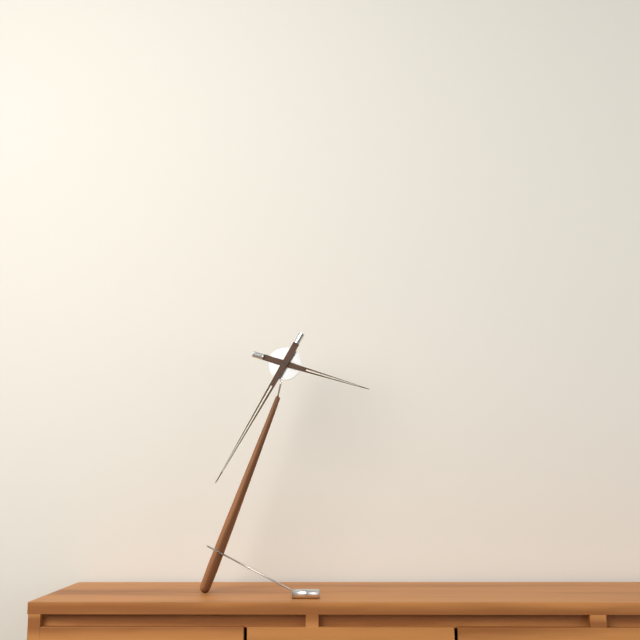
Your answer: **3:35**
